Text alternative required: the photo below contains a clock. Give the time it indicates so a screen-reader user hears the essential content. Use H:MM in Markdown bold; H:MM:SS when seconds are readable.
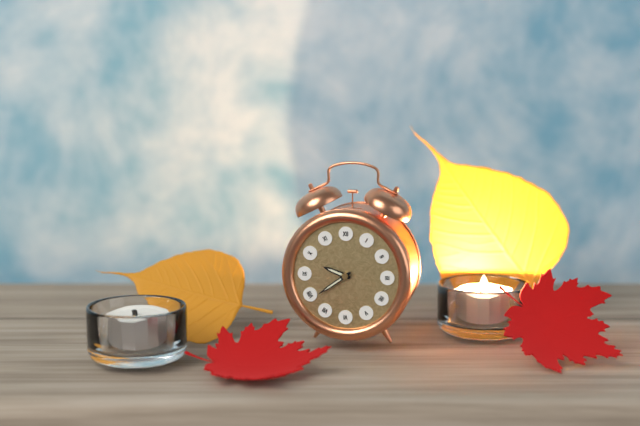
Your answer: **9:39**
